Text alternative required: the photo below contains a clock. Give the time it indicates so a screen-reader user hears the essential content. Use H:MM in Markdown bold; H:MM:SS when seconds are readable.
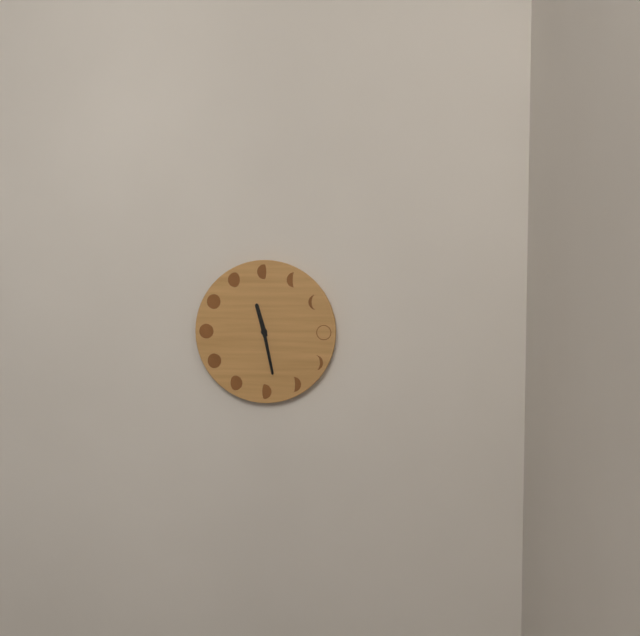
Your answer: **11:28**
